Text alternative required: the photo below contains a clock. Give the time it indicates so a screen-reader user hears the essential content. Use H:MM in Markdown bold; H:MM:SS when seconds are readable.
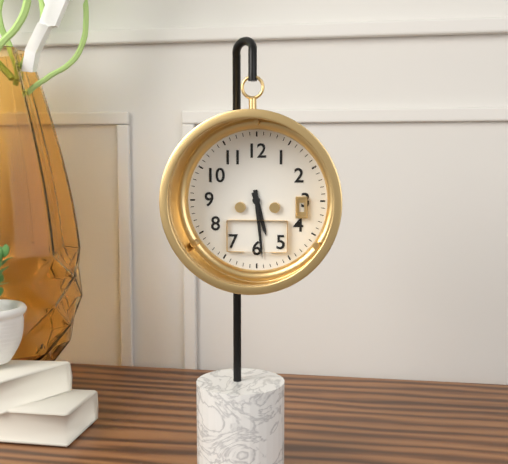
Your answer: **5:29**
